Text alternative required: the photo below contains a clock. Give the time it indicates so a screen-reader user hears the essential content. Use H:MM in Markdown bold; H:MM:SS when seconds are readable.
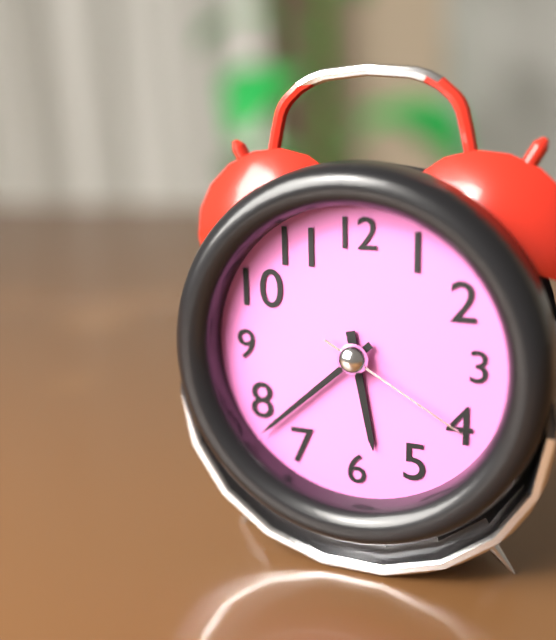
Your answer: **5:38:20**
